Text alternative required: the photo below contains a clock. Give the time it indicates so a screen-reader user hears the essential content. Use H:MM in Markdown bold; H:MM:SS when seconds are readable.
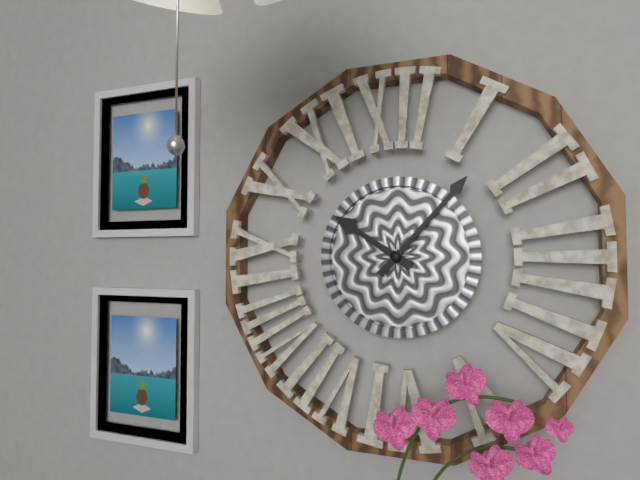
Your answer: **10:07**
